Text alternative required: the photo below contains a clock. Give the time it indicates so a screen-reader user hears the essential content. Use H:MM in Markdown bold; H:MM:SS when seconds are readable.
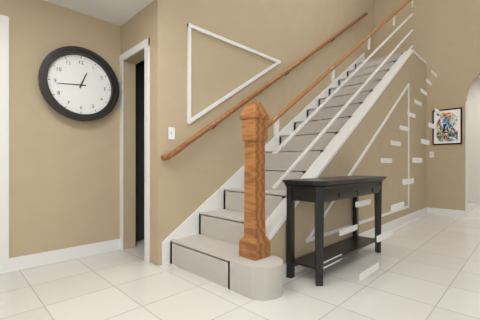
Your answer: **12:44**
